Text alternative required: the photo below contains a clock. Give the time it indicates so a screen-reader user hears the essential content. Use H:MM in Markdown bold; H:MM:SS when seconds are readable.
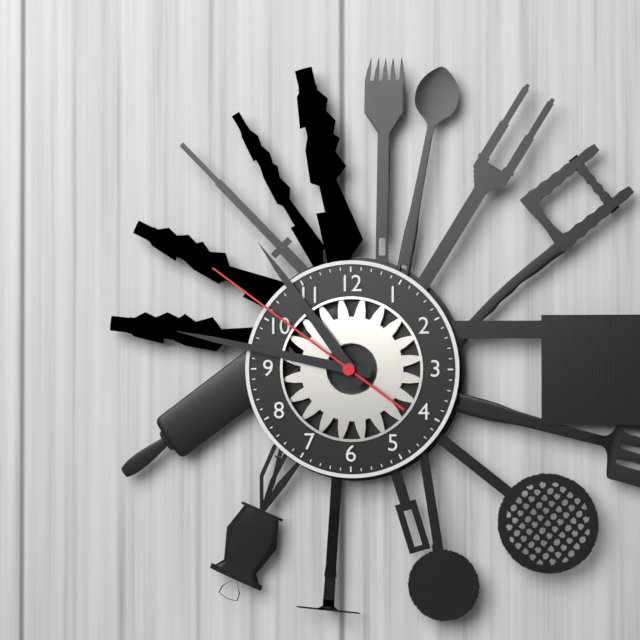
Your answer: **10:47:51**
